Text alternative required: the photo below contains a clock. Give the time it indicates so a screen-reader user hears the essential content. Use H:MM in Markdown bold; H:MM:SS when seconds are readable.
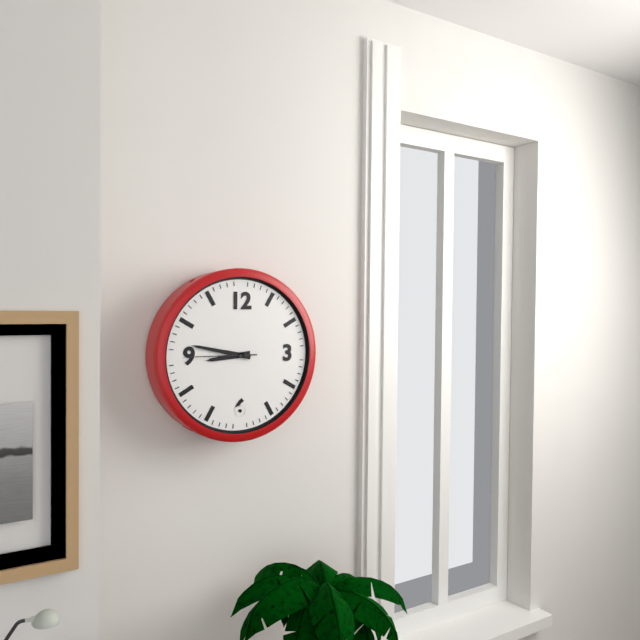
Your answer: **8:47:45**
